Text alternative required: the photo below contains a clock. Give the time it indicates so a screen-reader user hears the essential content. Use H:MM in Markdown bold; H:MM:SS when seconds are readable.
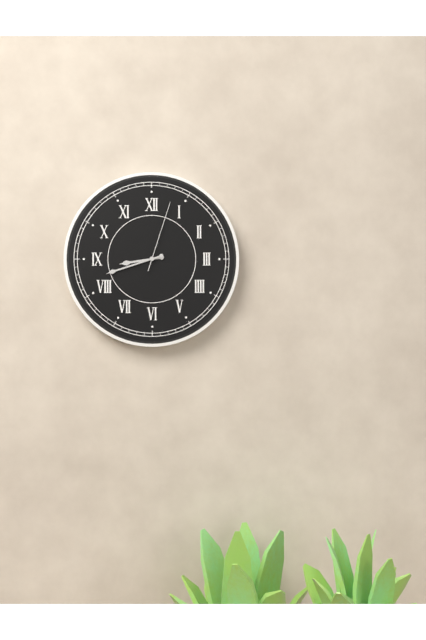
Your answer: **8:42:03**
